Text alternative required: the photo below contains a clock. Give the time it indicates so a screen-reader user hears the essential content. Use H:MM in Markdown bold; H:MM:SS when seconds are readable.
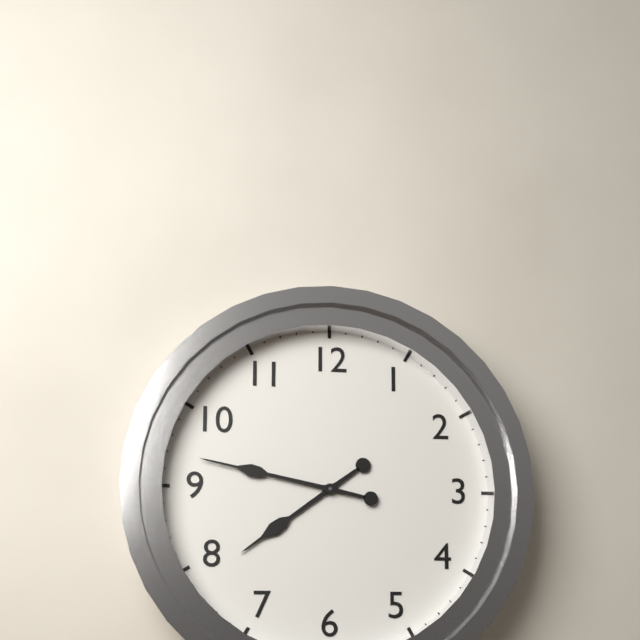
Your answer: **7:47**
